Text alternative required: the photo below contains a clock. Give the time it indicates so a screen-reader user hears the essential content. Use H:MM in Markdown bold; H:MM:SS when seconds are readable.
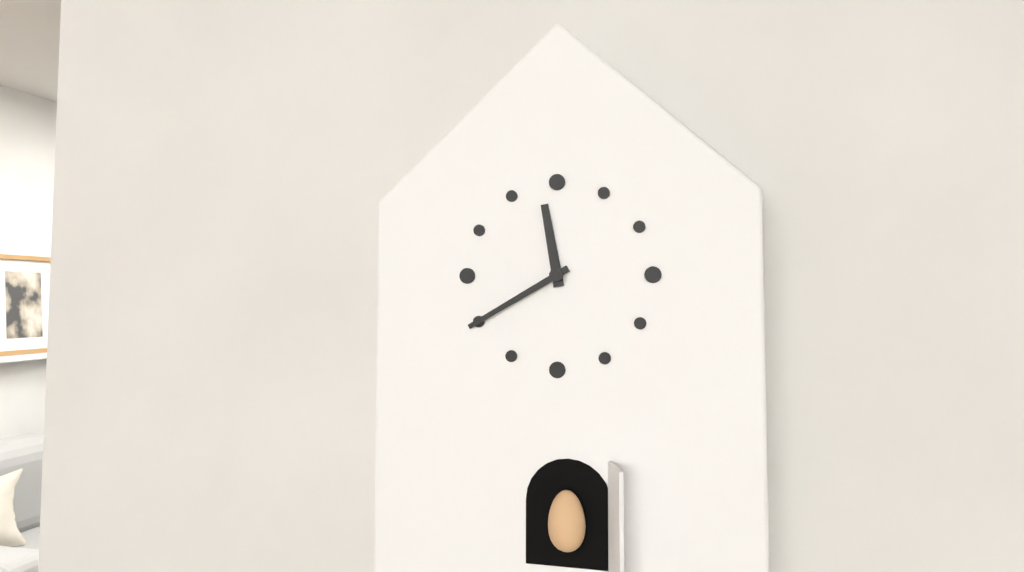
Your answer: **11:40**
